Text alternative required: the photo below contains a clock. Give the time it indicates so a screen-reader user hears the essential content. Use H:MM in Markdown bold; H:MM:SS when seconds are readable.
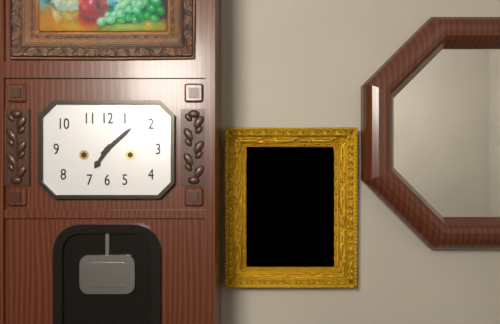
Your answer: **7:08**
